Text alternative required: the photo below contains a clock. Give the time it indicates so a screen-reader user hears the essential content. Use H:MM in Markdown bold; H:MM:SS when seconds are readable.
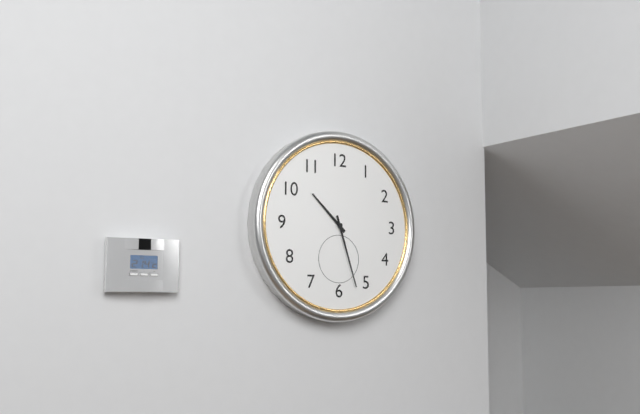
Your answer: **10:27**
